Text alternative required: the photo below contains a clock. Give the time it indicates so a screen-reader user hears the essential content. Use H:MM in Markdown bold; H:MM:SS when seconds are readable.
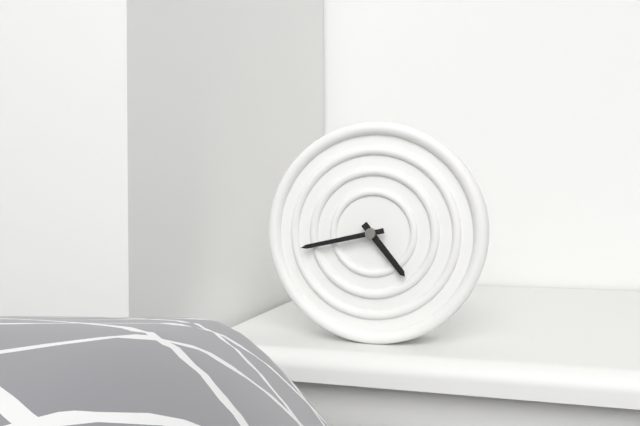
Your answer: **4:43**
